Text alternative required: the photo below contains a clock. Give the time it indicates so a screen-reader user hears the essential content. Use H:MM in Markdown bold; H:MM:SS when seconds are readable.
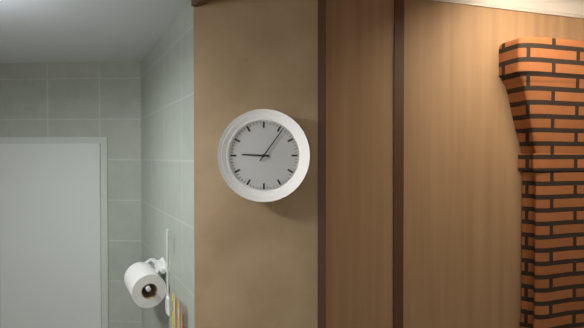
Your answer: **9:06**
